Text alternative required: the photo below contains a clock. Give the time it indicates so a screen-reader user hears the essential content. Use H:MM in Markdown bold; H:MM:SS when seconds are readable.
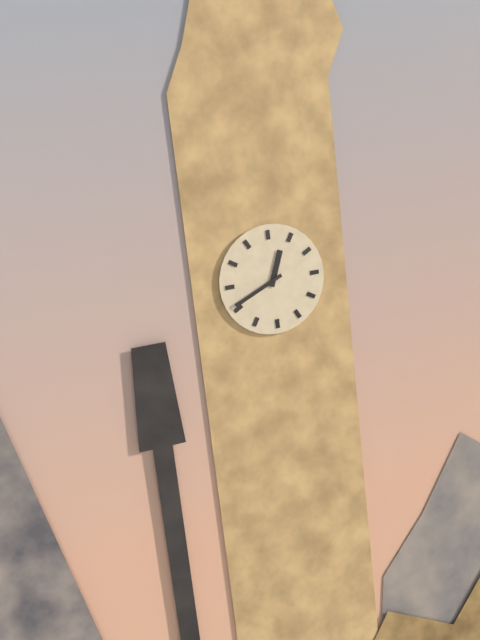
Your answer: **12:41**
